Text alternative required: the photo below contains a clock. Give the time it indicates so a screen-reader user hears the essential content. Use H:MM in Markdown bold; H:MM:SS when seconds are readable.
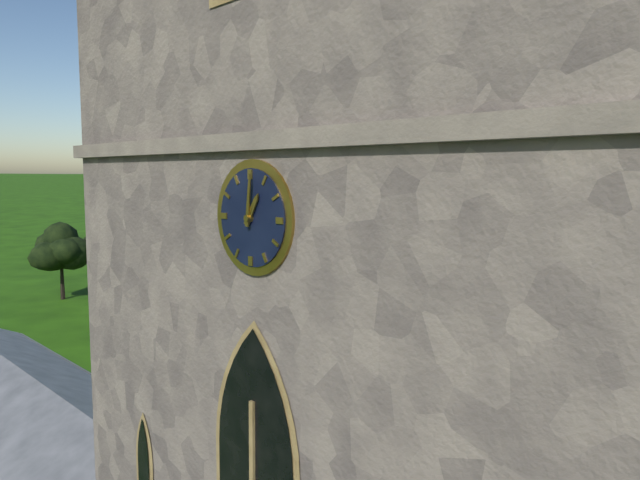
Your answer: **1:01**
